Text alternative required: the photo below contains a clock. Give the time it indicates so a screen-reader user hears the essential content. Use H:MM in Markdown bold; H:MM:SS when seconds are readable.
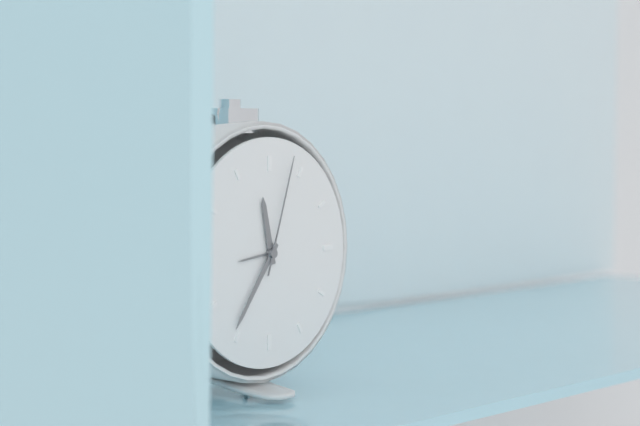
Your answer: **11:36:03**
